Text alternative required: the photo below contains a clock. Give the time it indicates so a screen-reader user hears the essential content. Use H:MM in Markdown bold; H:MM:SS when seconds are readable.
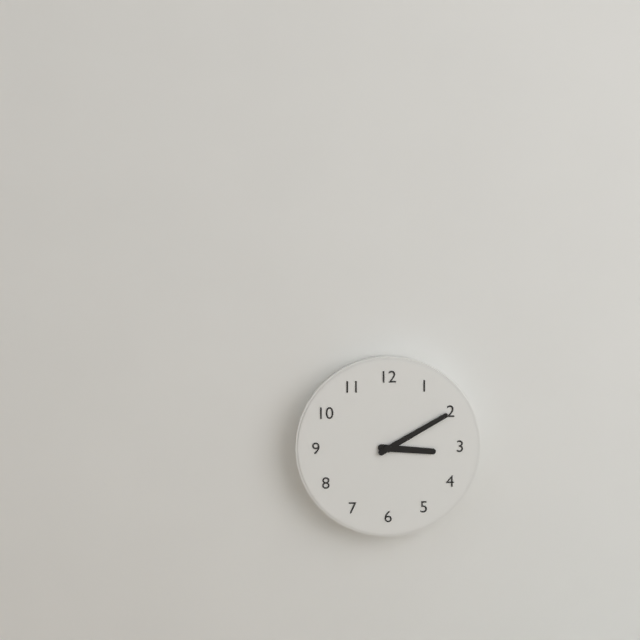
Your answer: **3:10**
